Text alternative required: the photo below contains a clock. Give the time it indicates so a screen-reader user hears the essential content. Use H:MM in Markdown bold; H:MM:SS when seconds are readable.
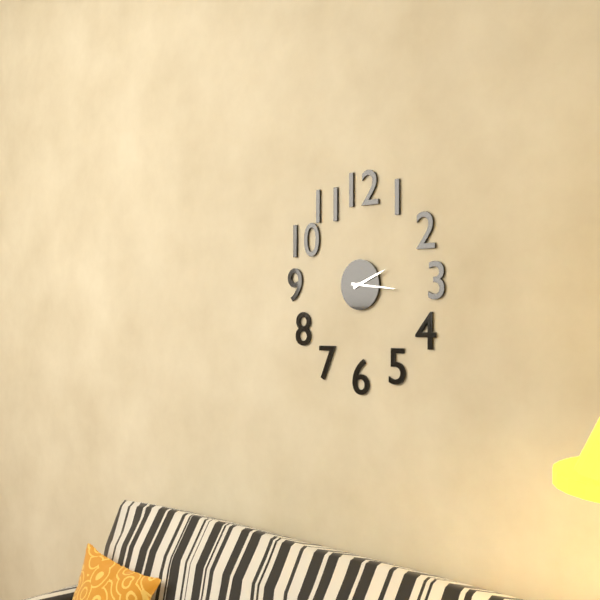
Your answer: **2:16**
